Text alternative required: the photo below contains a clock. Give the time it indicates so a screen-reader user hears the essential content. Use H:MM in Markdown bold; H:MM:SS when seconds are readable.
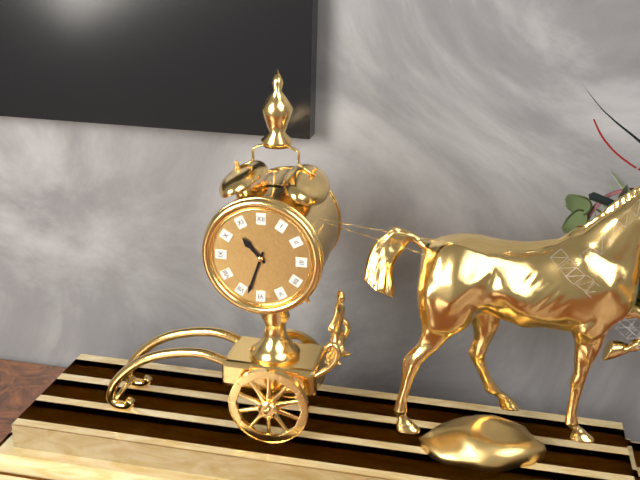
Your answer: **10:33**
